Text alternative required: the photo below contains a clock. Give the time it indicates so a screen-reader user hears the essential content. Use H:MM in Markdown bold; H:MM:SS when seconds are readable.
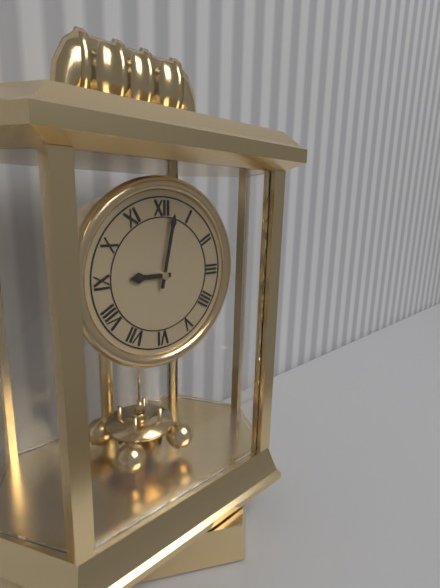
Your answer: **9:02**
